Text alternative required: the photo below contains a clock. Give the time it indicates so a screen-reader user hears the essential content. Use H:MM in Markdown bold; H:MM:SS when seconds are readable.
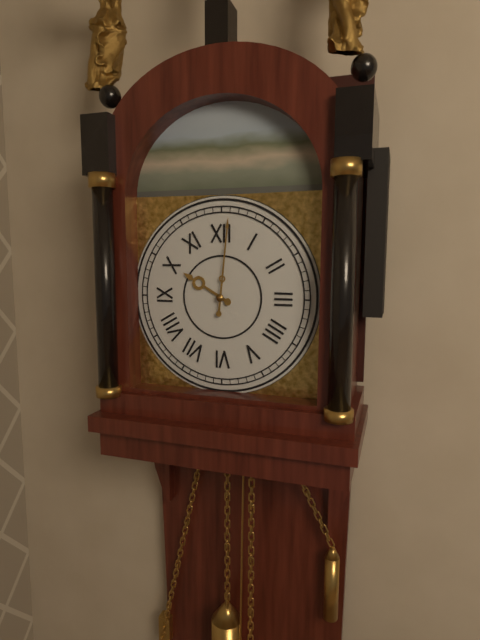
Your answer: **10:01**
